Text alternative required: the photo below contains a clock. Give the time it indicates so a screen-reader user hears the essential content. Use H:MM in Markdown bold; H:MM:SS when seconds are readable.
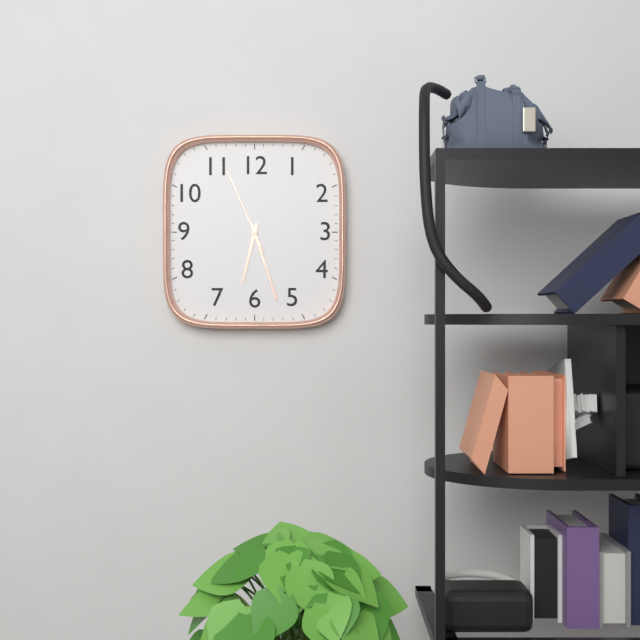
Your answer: **6:27:56**
